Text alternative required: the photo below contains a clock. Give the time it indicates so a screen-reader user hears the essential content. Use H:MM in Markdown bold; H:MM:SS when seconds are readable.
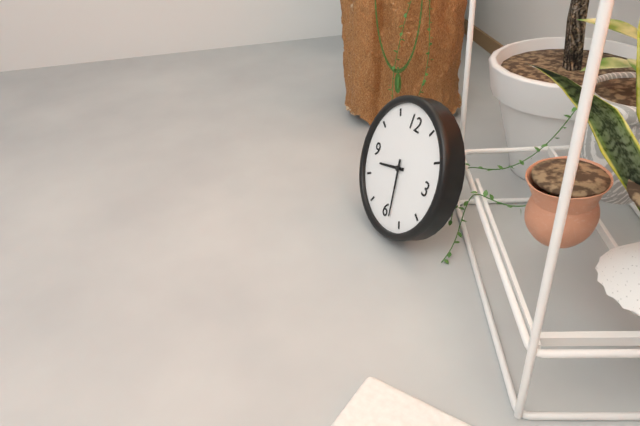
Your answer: **8:28**
